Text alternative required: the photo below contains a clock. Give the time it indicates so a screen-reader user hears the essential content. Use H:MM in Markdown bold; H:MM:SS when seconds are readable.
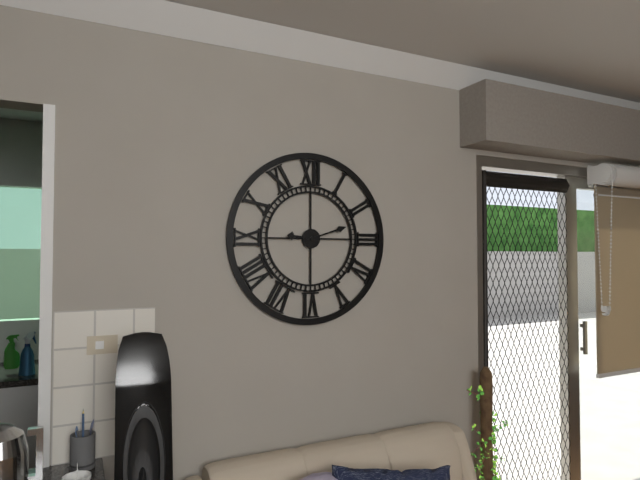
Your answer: **9:12**
